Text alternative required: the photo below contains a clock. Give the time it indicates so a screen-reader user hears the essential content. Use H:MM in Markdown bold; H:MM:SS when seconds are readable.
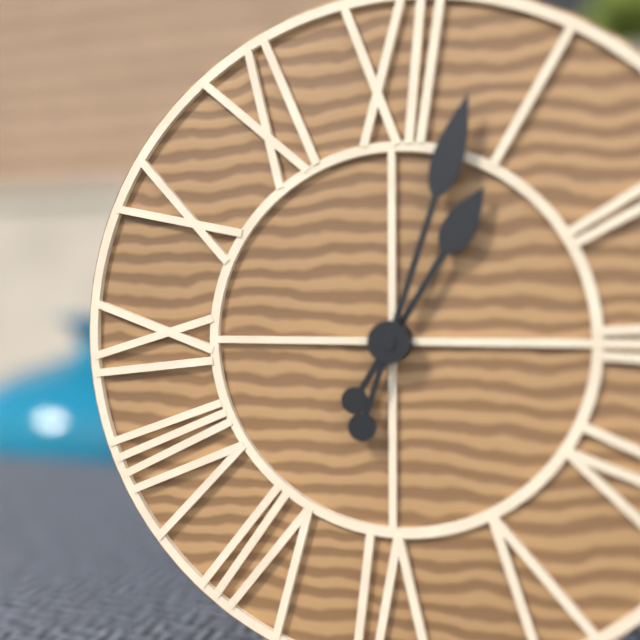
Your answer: **1:03**
